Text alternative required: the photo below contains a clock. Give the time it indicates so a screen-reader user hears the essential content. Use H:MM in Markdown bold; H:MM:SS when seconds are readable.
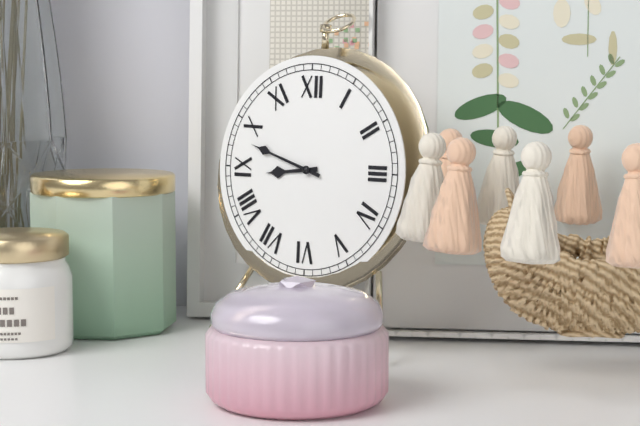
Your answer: **8:48**
